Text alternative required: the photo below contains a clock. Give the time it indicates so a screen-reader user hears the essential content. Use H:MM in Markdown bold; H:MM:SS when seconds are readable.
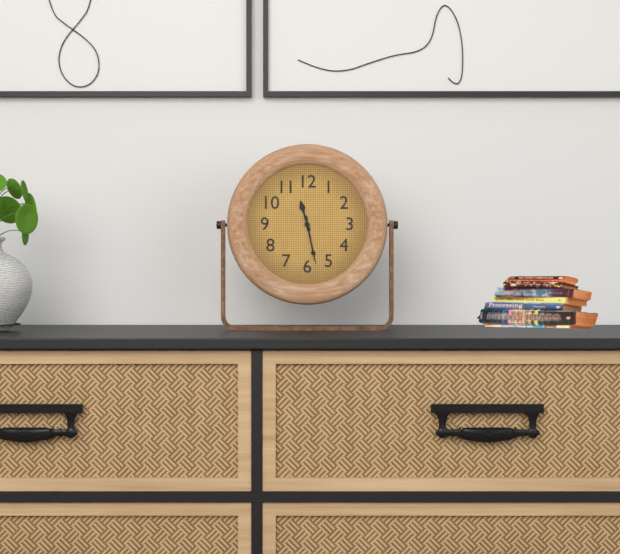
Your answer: **11:28**
